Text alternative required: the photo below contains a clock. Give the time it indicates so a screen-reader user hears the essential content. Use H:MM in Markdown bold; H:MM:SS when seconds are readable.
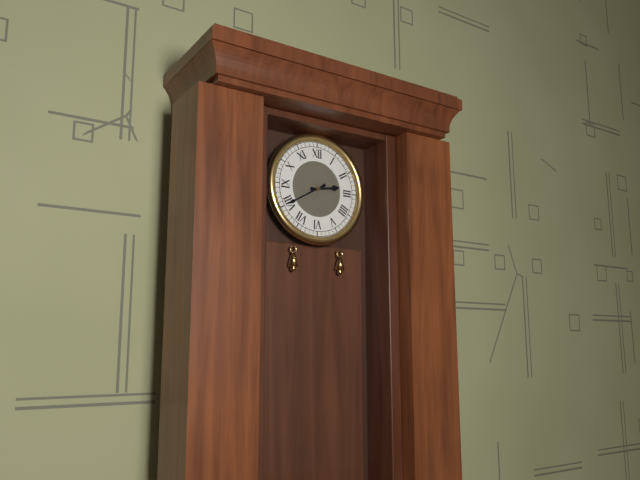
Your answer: **2:40**
